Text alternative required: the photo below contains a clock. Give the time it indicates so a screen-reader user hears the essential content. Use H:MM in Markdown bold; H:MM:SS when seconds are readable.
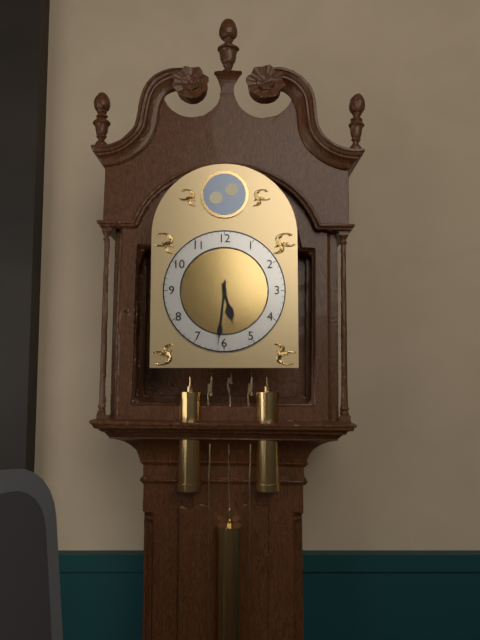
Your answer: **5:31**
